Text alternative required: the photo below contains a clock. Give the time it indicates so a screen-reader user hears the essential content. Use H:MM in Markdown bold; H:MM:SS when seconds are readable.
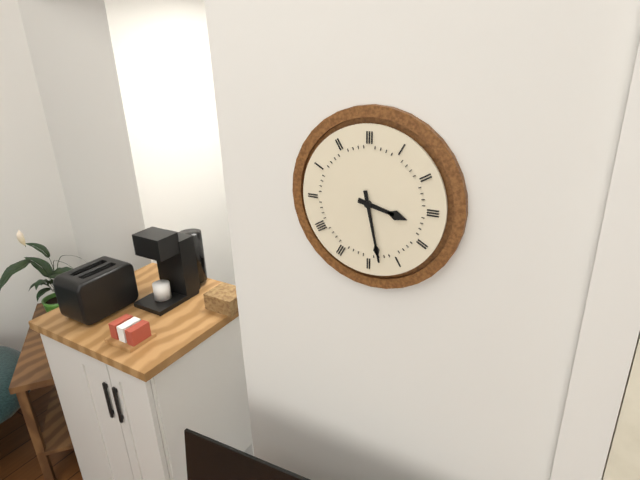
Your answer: **3:28**
